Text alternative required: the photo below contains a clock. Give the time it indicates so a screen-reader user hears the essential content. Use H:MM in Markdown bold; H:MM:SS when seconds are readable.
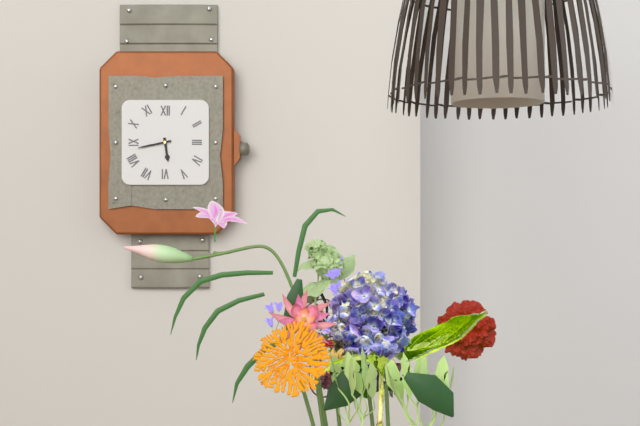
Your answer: **5:43**
